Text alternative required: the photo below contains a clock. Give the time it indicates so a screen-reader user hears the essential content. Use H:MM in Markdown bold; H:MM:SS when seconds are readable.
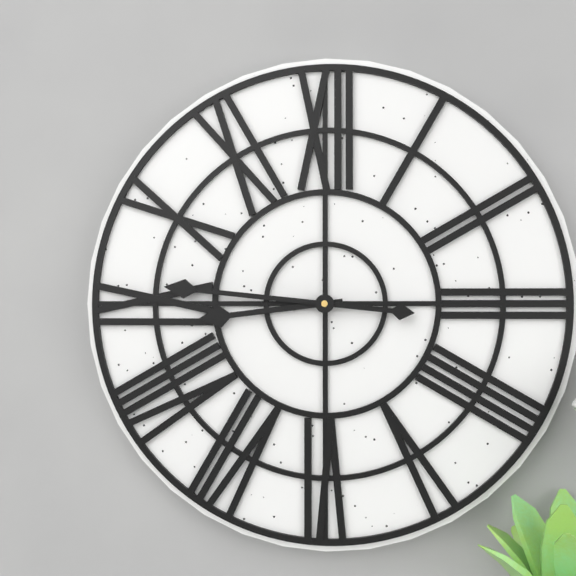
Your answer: **8:46**
